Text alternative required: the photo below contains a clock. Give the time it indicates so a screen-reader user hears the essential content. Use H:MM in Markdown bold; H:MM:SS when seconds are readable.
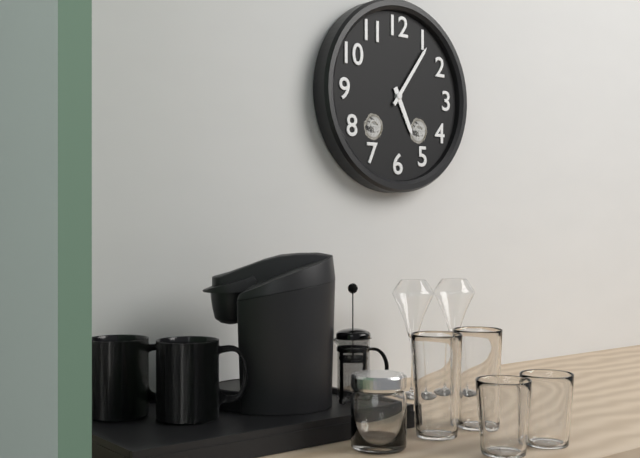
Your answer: **5:06**
